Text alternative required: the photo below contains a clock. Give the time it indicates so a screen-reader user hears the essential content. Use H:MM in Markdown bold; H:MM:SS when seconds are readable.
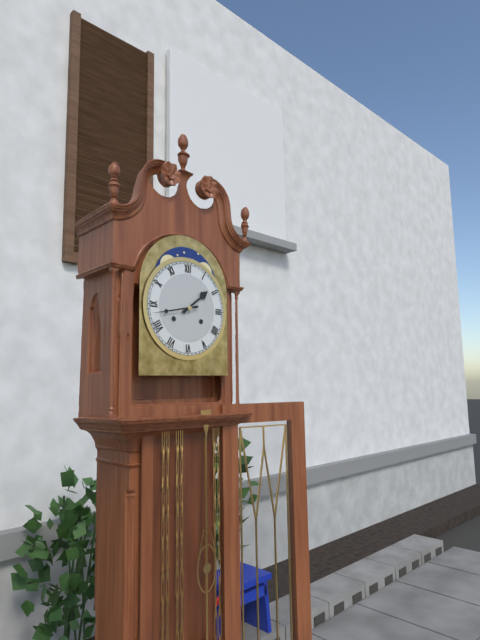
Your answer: **1:43**
